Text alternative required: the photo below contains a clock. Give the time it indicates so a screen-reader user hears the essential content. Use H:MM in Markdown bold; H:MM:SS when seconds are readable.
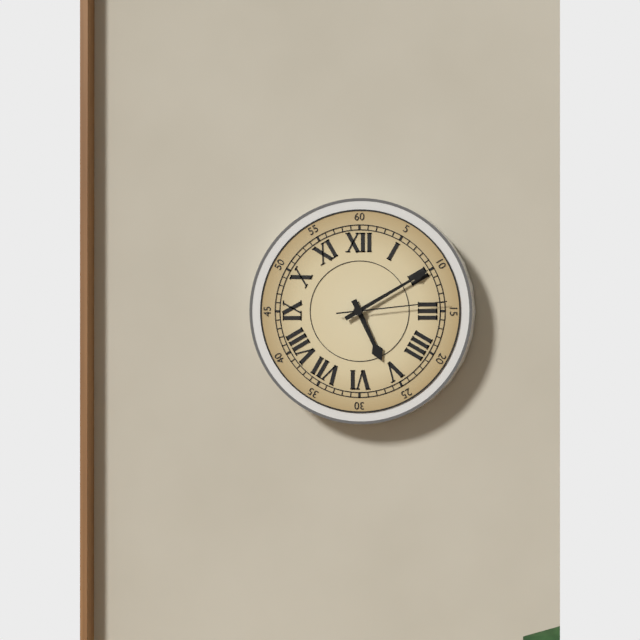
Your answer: **5:10:14**
